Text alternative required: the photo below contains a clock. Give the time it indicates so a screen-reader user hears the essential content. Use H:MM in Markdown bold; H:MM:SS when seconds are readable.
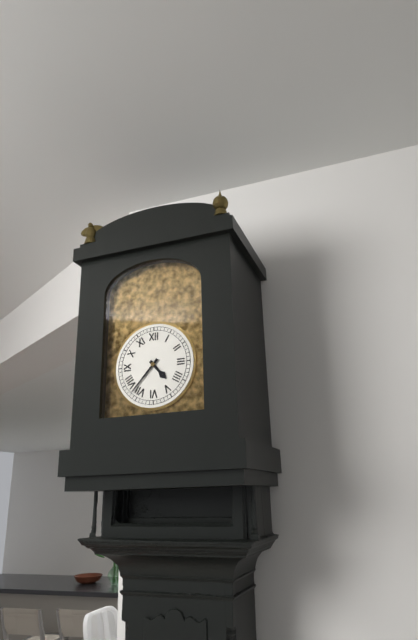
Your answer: **4:37**
